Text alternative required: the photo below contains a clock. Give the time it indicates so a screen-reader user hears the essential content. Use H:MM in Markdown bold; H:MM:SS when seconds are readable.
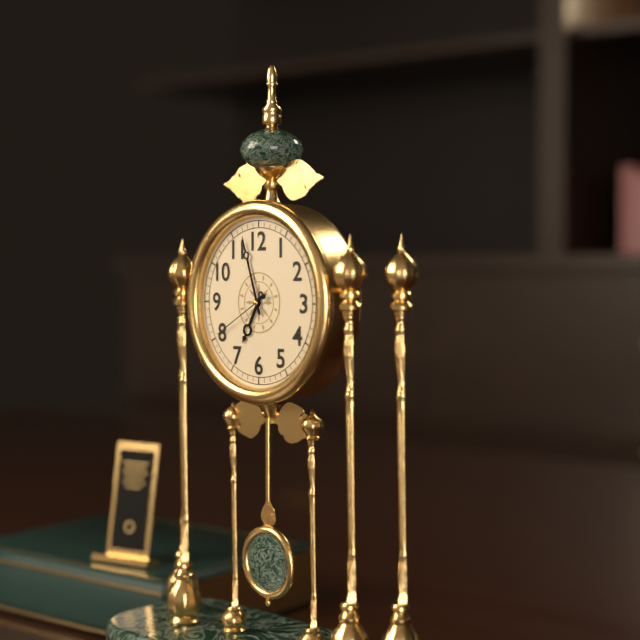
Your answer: **6:57:40**
